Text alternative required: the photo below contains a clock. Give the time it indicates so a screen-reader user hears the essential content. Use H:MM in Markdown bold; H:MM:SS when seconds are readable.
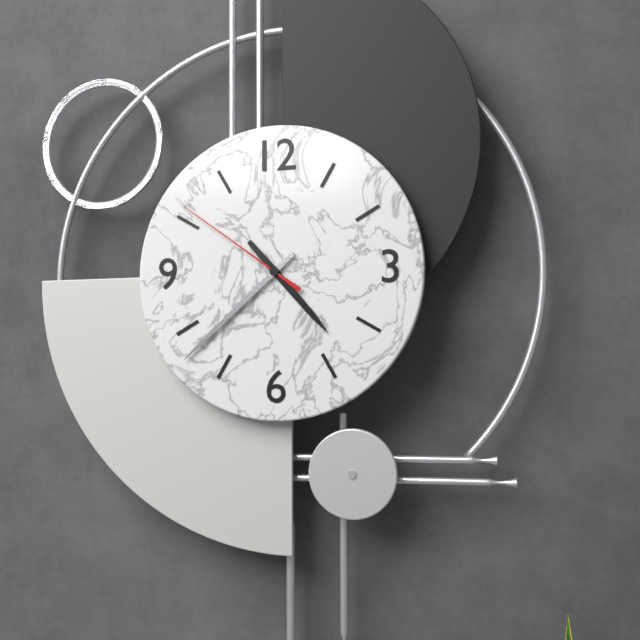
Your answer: **4:38:51**
